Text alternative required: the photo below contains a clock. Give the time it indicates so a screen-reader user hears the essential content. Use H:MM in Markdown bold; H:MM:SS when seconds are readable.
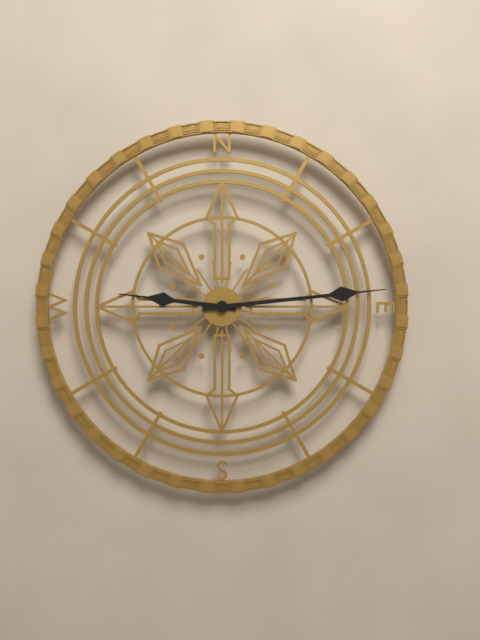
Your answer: **9:14**
